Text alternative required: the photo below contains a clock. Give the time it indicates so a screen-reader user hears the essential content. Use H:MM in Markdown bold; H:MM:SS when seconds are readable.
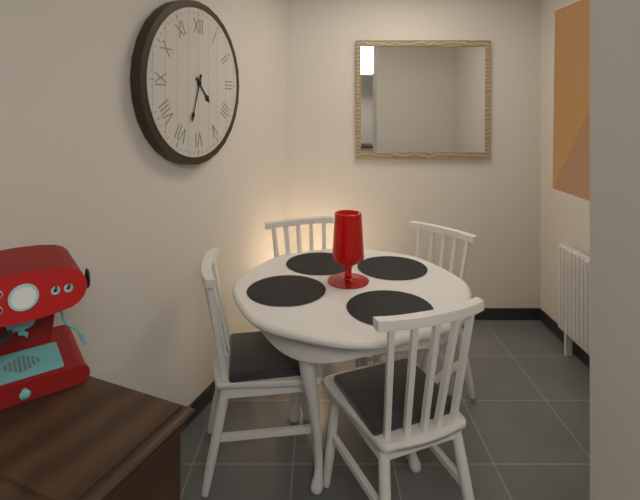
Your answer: **4:33**
